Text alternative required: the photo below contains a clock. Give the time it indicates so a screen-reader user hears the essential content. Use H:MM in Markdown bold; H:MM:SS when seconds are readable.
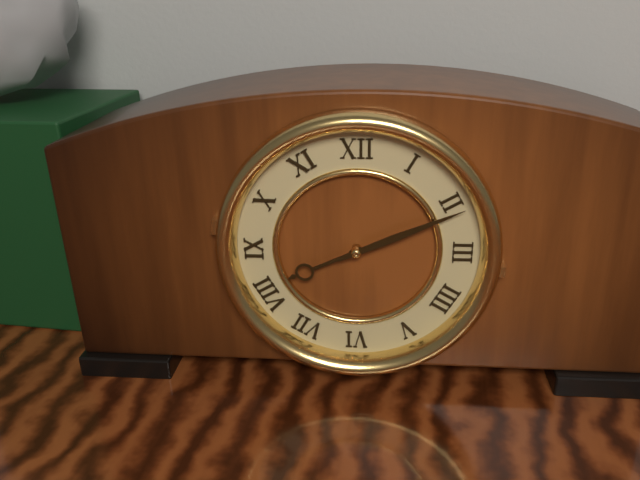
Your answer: **8:11**
